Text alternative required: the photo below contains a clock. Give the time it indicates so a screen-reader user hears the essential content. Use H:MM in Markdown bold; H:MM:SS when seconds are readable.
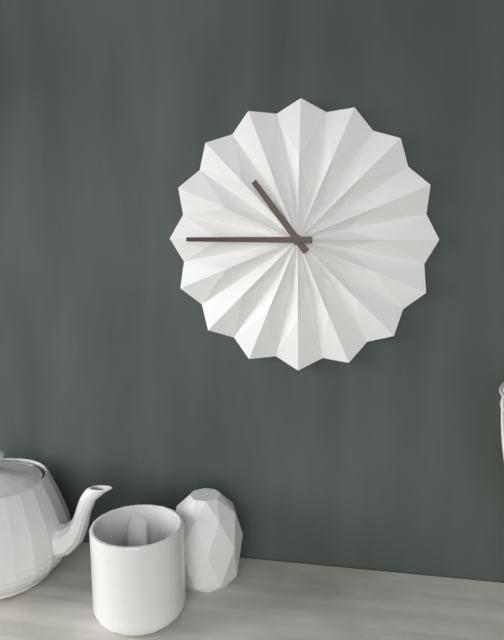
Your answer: **10:45**
